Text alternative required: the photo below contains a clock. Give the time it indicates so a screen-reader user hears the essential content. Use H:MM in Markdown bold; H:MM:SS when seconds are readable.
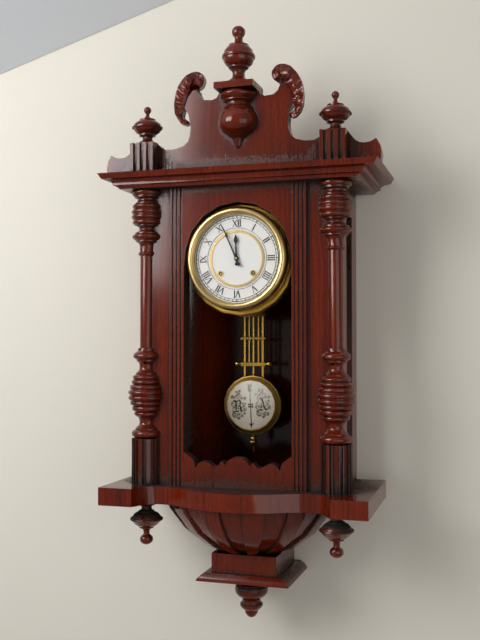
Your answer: **11:56**
